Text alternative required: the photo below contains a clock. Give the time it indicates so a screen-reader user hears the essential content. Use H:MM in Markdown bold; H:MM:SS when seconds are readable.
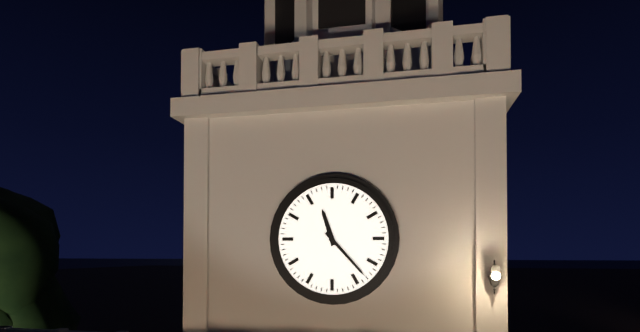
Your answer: **11:23**
